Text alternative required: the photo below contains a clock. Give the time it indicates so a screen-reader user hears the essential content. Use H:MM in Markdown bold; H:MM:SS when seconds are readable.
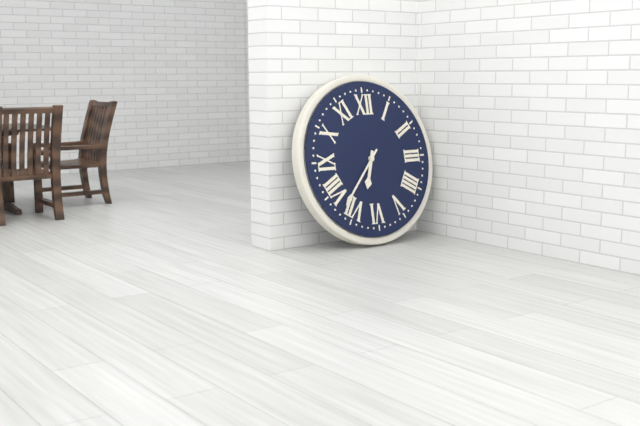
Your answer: **6:37**
